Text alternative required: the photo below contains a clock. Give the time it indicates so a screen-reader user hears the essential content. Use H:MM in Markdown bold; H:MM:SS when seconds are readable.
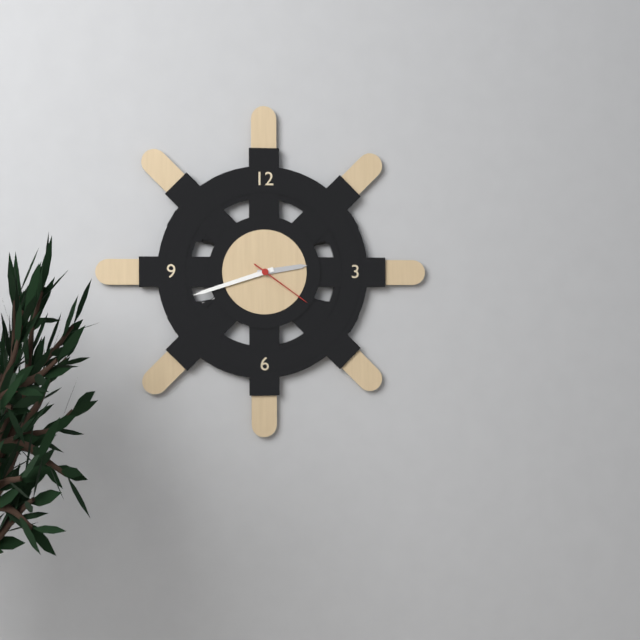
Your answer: **2:42:21**
